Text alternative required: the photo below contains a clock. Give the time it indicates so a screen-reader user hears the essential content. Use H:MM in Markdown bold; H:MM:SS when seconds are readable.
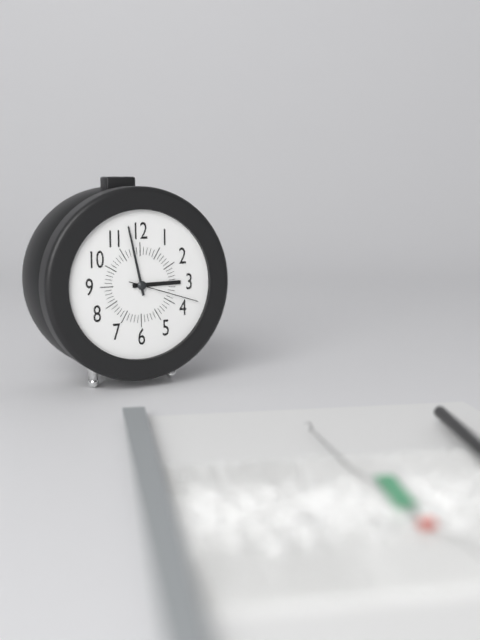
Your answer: **2:58:18**
